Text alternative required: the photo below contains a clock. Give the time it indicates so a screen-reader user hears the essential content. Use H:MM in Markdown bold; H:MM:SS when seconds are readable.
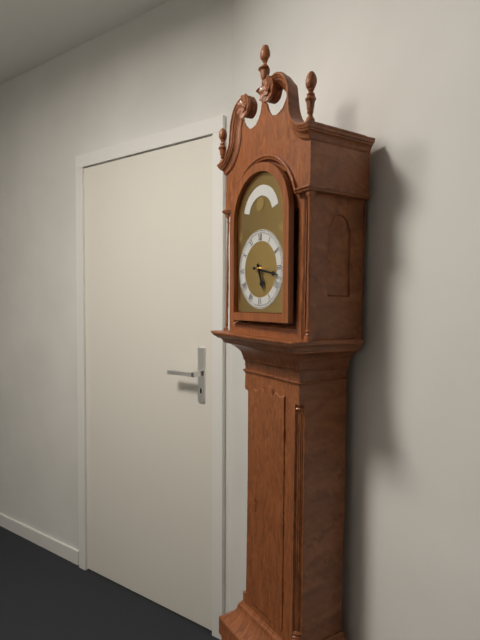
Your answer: **5:17**
